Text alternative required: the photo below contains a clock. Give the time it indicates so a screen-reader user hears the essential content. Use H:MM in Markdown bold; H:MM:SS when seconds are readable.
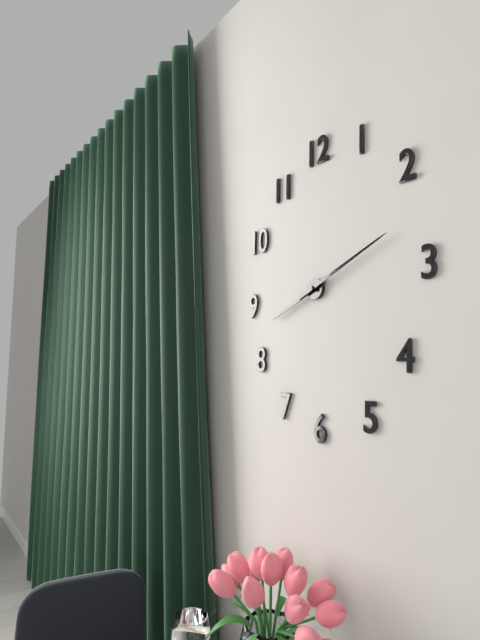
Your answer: **8:11**
